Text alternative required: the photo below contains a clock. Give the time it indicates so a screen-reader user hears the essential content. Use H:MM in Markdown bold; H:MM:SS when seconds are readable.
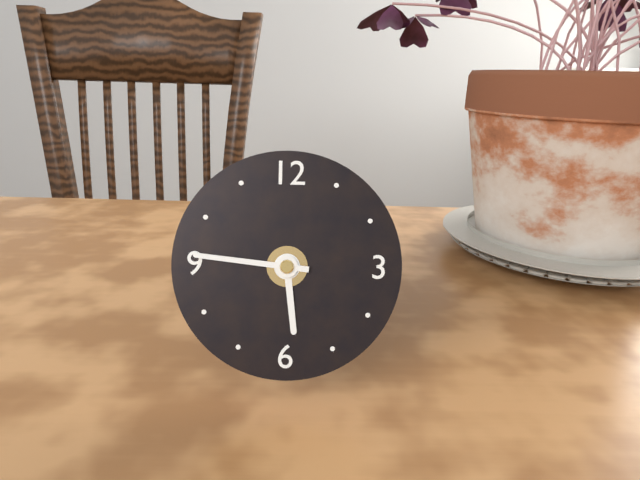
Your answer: **5:46**
